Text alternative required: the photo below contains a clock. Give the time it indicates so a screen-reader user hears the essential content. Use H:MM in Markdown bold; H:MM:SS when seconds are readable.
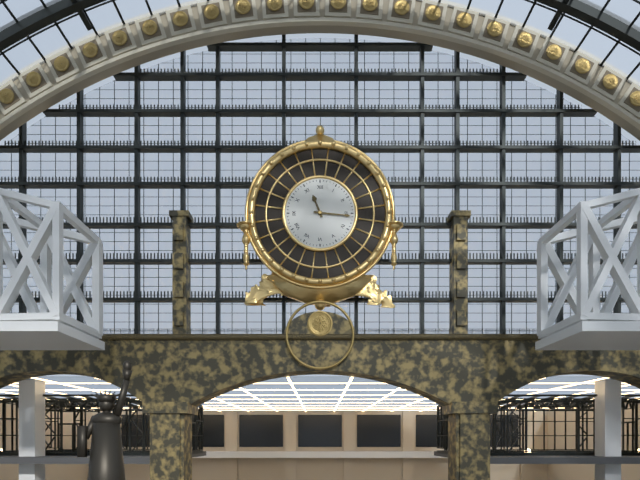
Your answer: **11:16**
